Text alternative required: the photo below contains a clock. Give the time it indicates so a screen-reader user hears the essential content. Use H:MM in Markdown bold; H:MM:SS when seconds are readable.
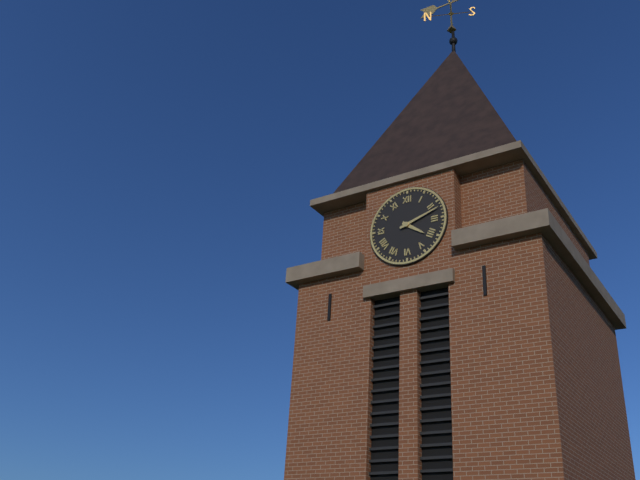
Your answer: **4:12**
